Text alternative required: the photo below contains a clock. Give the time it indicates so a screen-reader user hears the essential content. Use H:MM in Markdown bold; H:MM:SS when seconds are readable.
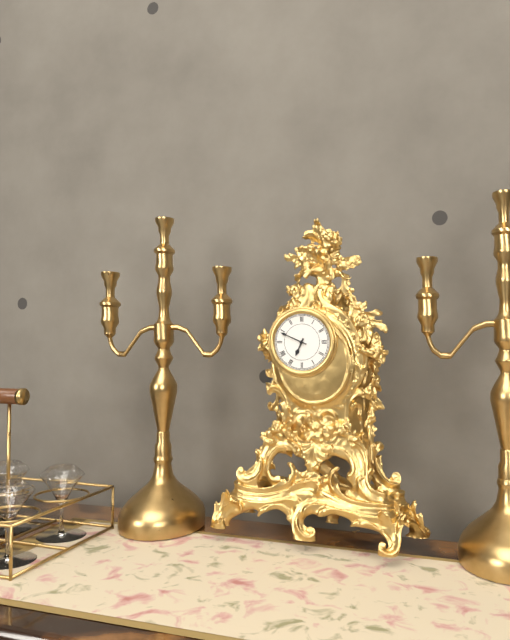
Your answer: **6:49**
